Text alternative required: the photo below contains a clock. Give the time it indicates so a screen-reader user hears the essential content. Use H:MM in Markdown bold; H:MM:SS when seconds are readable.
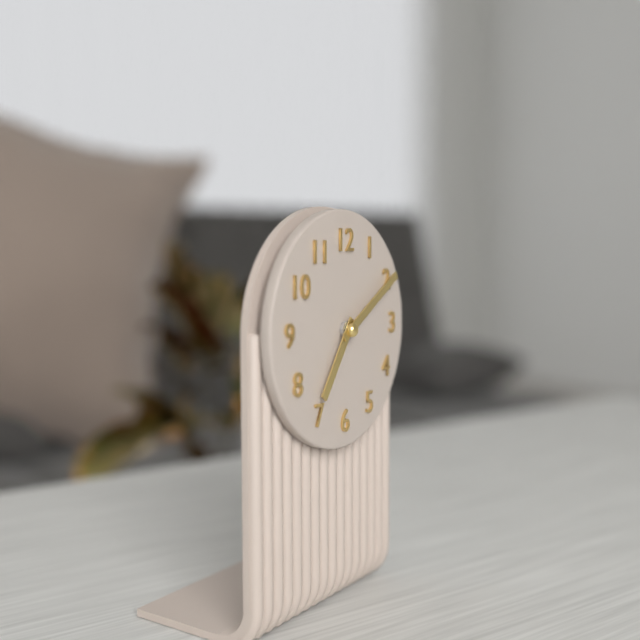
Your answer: **7:10**
